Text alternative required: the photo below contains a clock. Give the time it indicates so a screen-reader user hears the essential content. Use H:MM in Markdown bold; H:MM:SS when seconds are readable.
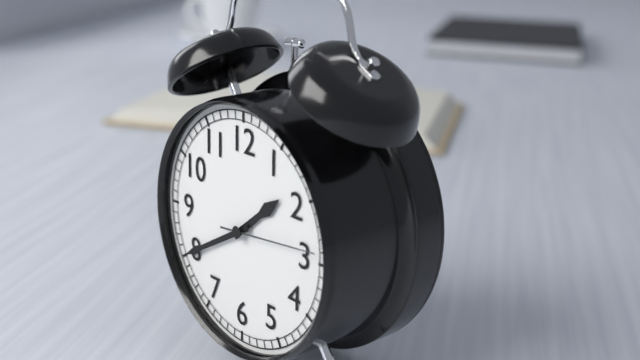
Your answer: **1:40:14**
